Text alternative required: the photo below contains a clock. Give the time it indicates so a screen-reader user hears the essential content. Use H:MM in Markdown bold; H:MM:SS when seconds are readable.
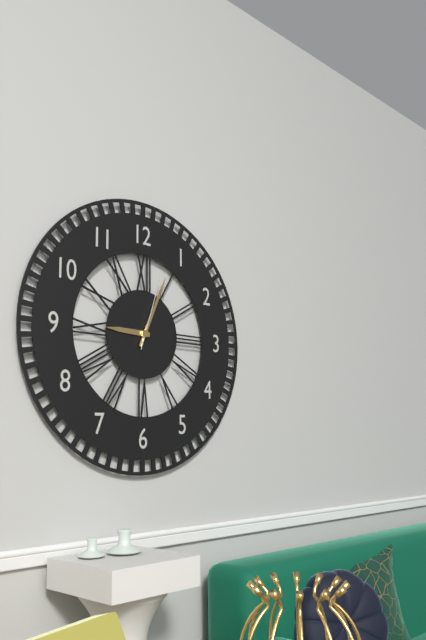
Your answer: **9:04:03**
